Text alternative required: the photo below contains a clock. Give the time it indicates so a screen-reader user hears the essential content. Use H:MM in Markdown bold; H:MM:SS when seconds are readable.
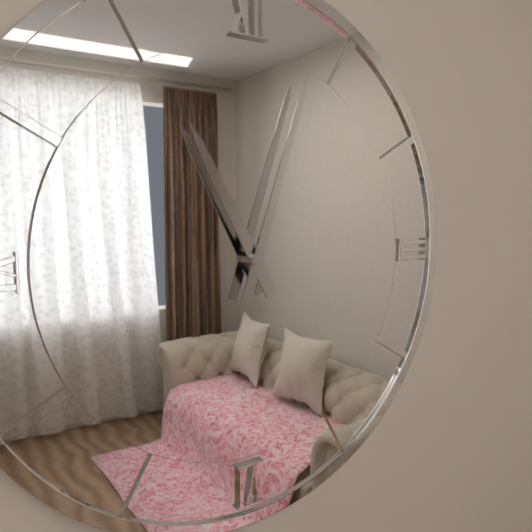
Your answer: **11:03**
